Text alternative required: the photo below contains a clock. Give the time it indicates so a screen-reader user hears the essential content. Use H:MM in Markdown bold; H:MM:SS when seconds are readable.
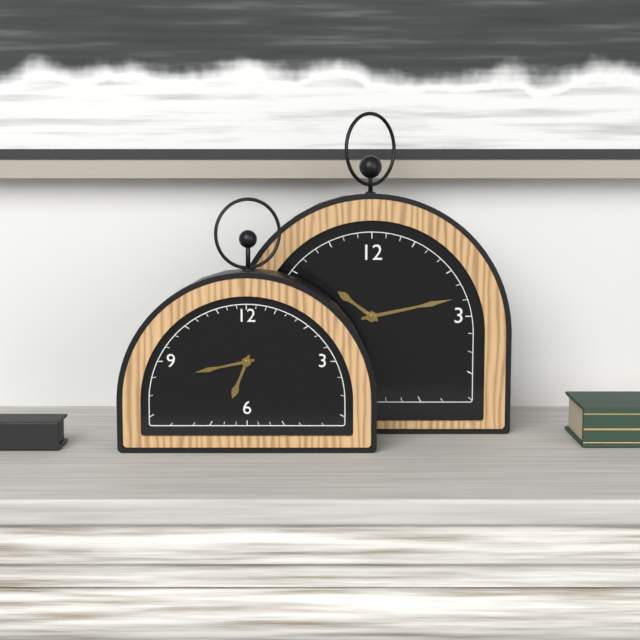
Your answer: **6:43**
